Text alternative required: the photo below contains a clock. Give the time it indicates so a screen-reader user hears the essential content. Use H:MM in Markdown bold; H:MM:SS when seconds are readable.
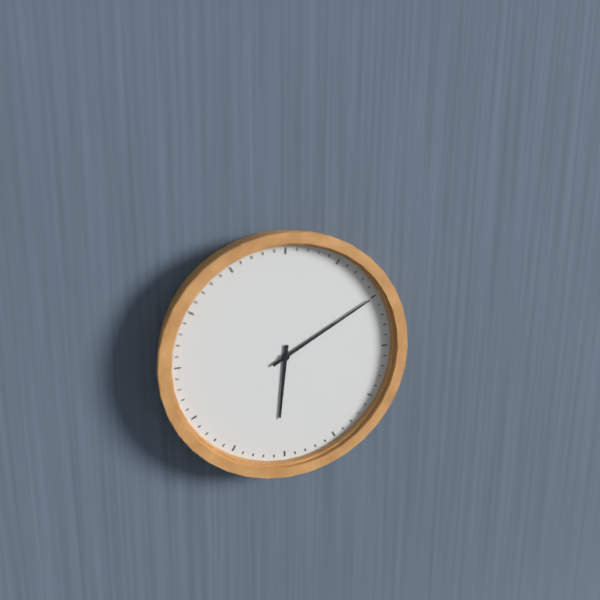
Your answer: **6:10**
